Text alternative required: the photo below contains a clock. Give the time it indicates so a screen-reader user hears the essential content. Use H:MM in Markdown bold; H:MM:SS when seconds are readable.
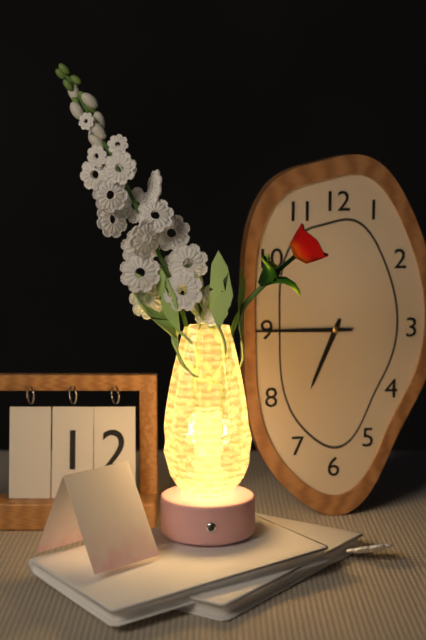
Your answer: **6:45**
